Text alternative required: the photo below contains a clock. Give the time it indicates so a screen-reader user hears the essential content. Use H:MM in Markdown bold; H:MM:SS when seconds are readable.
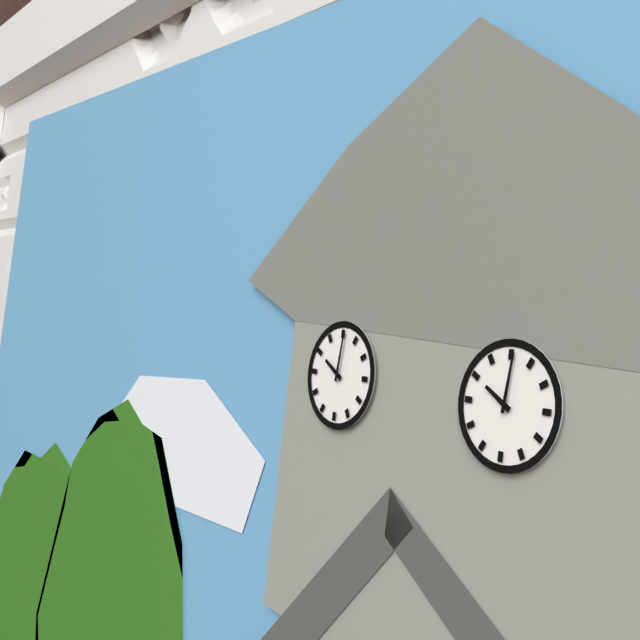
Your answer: **10:01**
